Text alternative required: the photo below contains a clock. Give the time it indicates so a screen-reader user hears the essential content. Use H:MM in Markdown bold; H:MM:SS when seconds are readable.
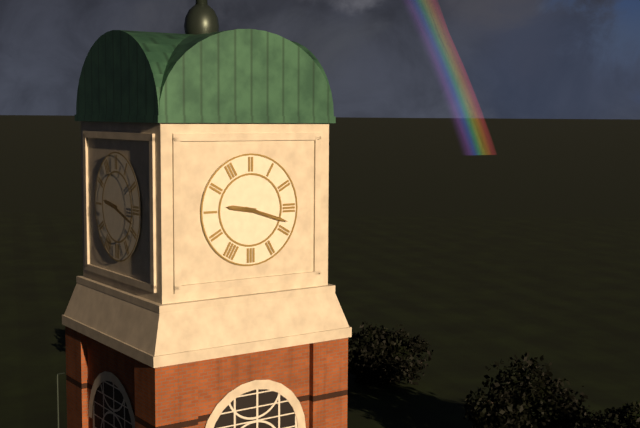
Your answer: **9:18**
